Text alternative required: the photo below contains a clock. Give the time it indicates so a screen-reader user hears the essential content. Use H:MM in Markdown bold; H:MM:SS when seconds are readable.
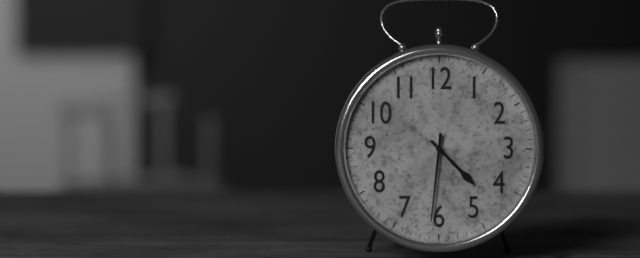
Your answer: **4:31**
